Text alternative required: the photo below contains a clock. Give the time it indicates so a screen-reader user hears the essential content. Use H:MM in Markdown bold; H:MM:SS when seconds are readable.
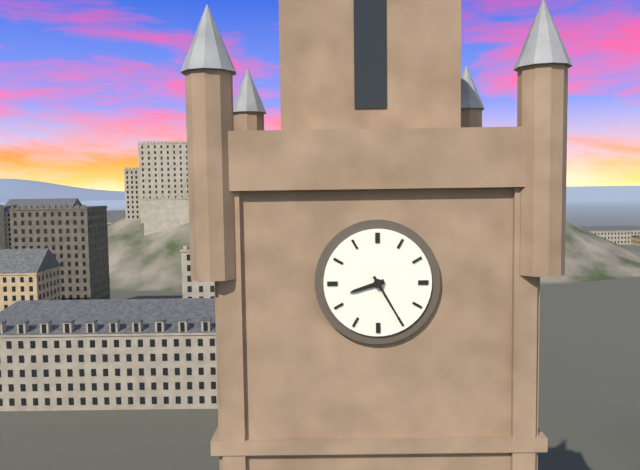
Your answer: **8:25**
